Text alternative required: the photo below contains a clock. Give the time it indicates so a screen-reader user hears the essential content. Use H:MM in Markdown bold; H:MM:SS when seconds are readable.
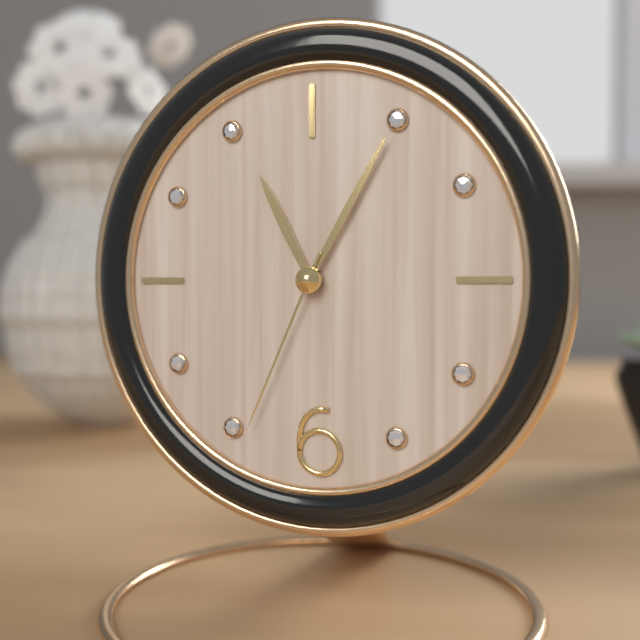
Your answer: **11:05:34**
